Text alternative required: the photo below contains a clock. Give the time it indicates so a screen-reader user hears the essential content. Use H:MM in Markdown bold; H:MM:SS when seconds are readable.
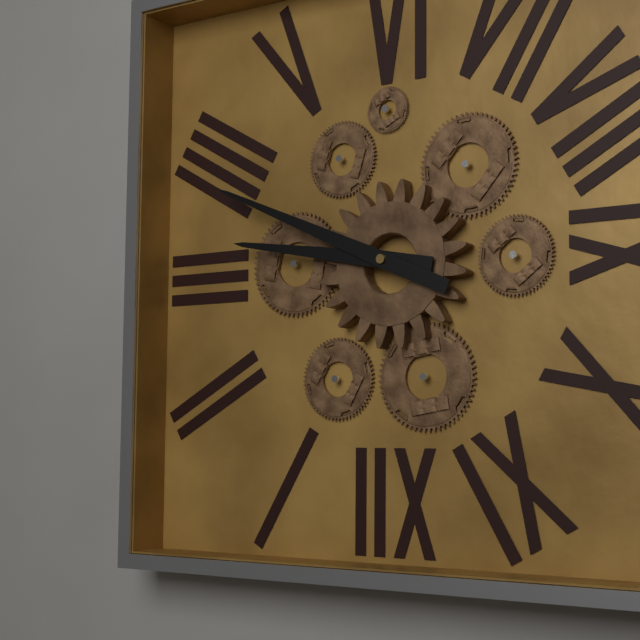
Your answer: **3:19**
